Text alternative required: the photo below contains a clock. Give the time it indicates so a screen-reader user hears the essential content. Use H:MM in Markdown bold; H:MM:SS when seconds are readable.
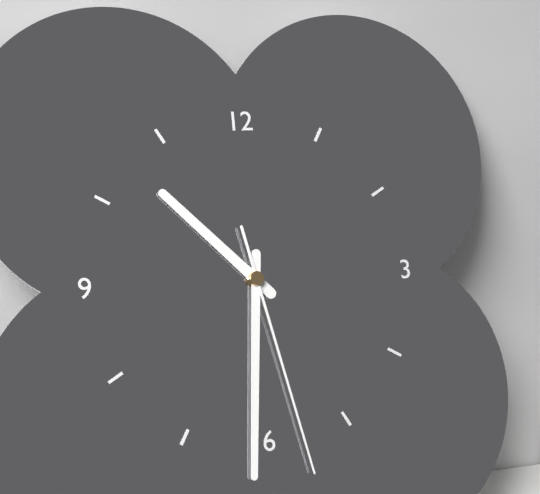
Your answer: **10:31:28**
